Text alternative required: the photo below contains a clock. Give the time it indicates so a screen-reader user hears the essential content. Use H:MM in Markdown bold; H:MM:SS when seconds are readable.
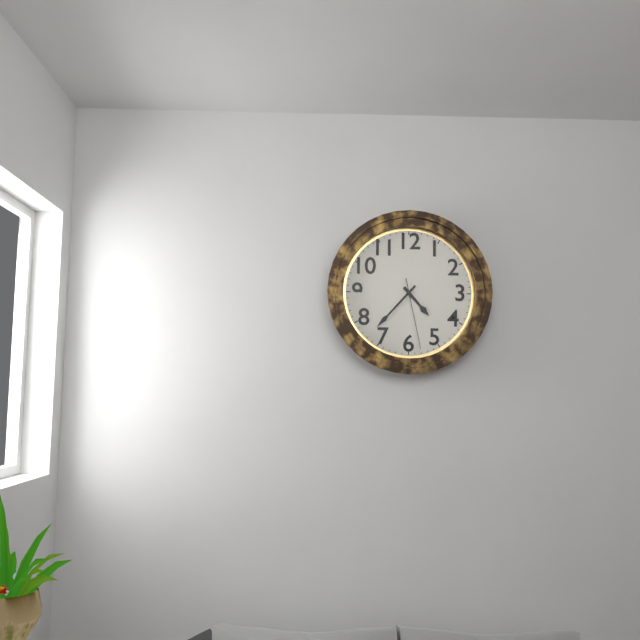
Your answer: **4:37:28**
